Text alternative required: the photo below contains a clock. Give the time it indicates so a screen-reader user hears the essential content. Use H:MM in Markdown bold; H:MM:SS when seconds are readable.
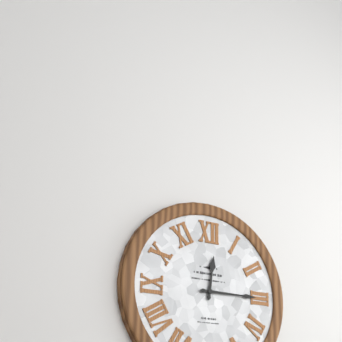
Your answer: **12:15**
